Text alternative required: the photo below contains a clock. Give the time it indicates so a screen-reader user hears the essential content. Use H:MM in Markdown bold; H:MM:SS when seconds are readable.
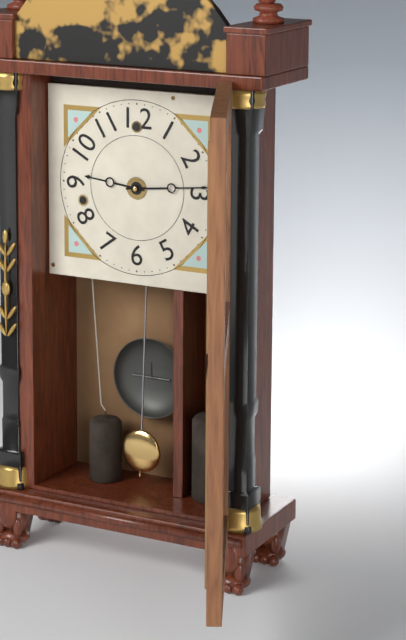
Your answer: **9:14**
